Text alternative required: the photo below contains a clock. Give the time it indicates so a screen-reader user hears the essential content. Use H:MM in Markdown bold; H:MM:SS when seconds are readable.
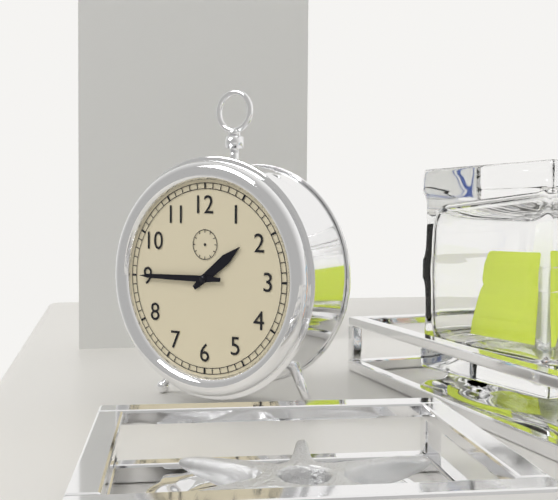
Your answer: **1:45**
